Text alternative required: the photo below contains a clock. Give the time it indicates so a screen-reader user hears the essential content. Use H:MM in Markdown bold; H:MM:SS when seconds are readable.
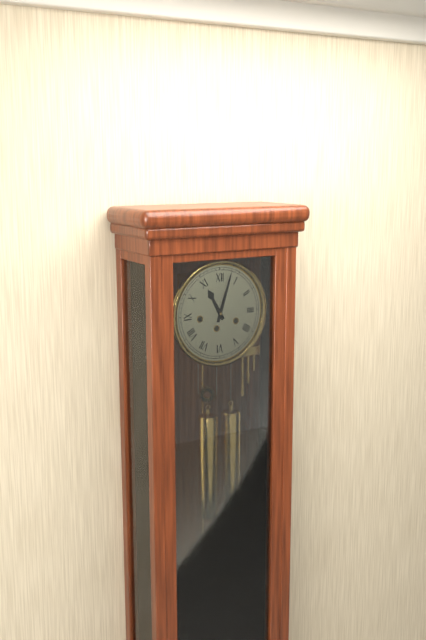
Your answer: **11:03**
